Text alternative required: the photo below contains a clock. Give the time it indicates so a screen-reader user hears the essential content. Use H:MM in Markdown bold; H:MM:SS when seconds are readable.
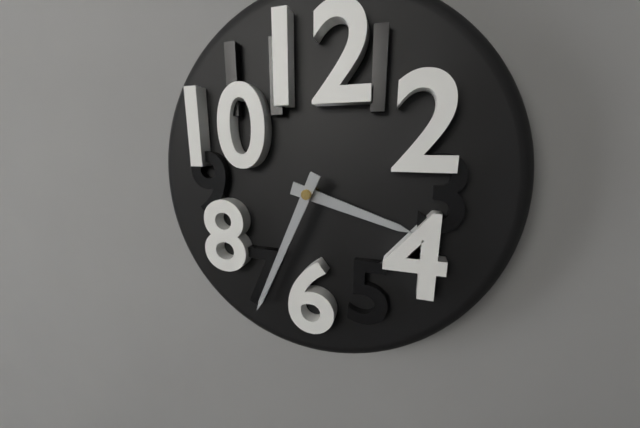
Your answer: **3:34**
